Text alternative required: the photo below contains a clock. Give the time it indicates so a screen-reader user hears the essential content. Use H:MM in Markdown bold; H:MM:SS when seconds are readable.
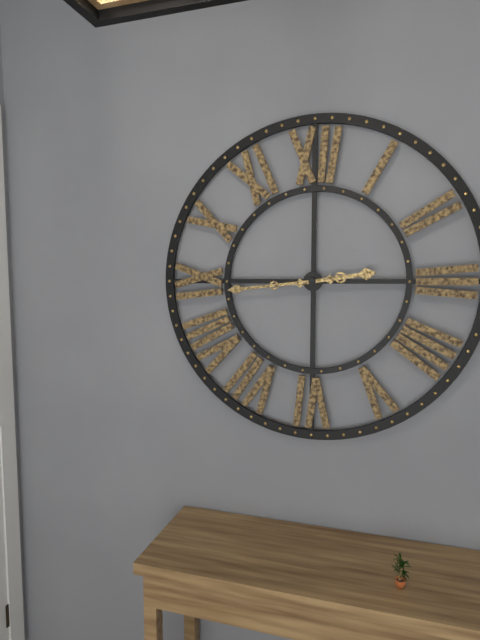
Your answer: **2:44**
